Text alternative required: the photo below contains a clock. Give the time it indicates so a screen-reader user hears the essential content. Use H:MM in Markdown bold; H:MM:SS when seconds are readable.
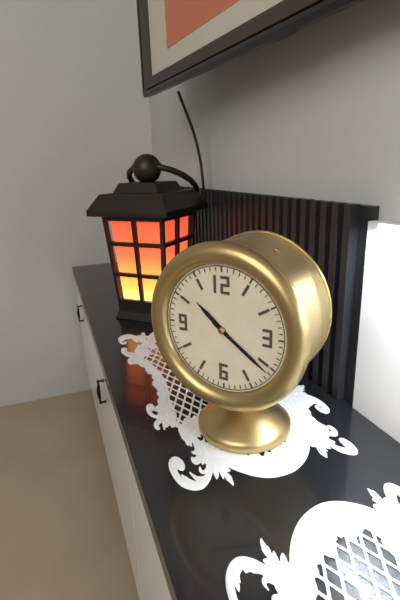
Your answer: **10:21**
